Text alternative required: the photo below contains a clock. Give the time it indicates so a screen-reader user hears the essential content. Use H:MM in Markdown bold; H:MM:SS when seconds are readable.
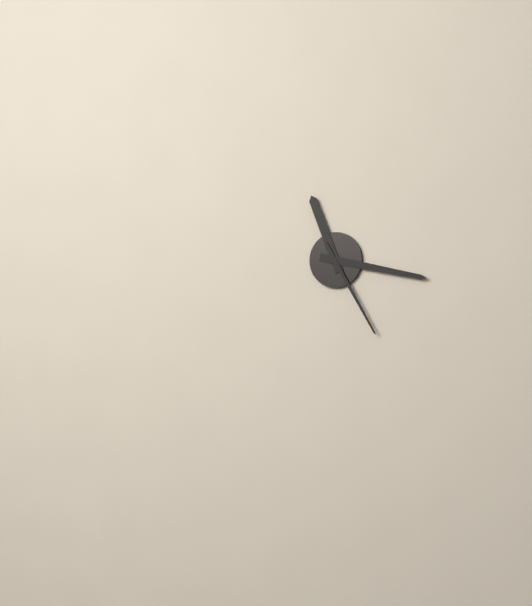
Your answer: **11:17:25**
